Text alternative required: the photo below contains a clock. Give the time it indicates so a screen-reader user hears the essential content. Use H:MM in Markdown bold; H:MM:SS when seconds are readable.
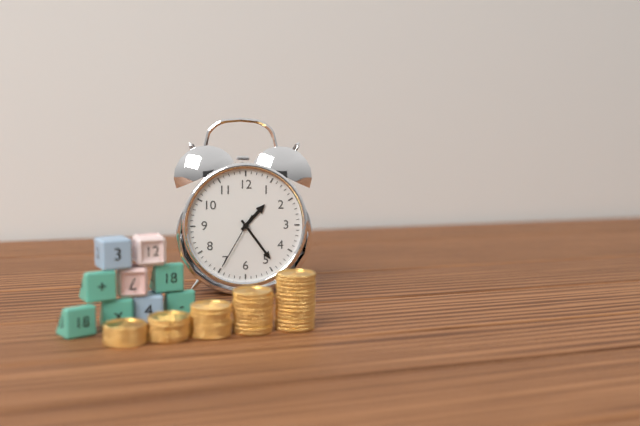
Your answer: **1:24:35**
